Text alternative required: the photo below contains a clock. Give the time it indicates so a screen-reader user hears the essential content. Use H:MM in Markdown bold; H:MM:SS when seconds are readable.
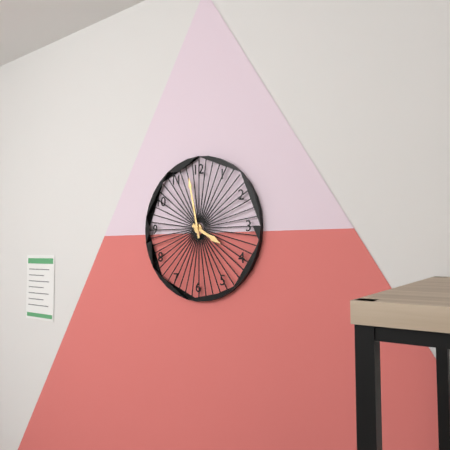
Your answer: **3:58**
